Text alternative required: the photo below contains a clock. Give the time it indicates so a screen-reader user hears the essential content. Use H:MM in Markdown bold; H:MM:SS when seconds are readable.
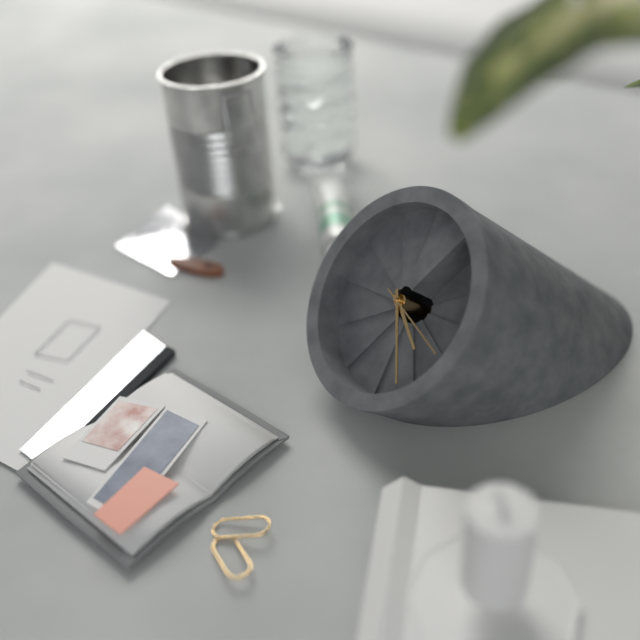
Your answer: **3:20:14**
